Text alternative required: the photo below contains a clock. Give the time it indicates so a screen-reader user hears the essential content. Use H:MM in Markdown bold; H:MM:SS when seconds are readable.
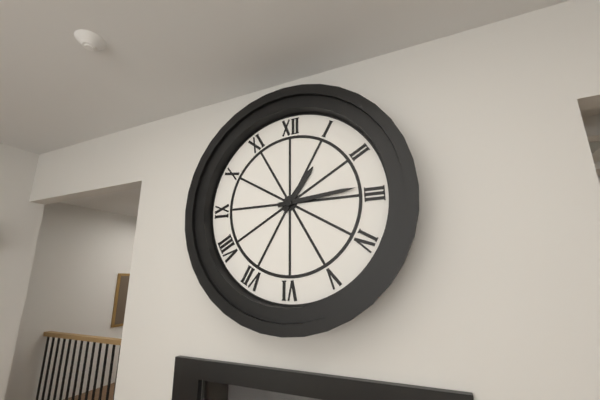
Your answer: **1:14**
